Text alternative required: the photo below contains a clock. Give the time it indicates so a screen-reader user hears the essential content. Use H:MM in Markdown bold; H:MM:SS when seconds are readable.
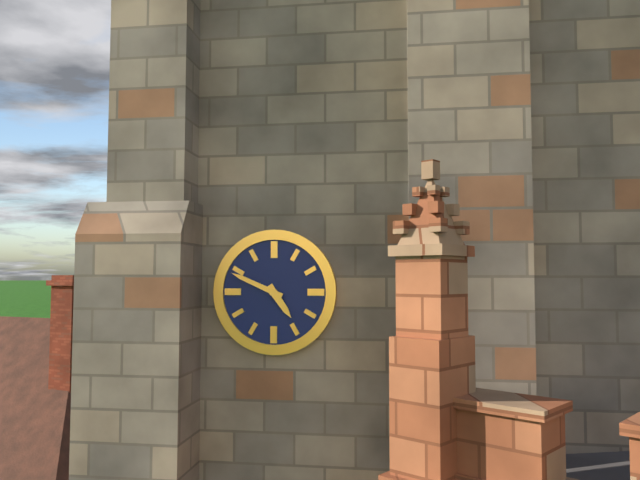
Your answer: **4:49**
